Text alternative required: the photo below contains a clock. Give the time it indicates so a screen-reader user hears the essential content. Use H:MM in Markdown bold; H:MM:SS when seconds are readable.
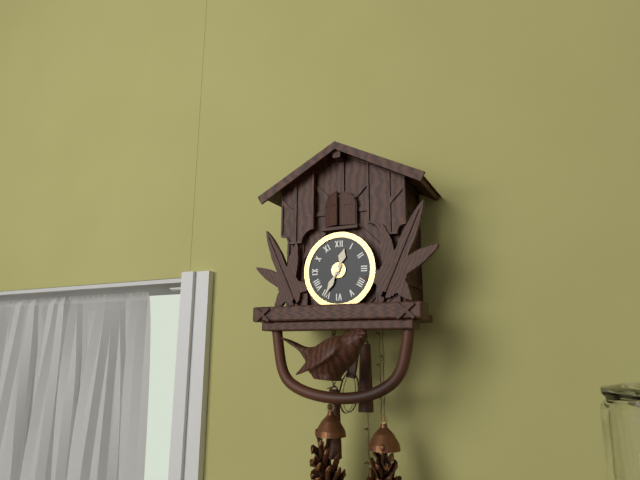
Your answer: **12:35**
